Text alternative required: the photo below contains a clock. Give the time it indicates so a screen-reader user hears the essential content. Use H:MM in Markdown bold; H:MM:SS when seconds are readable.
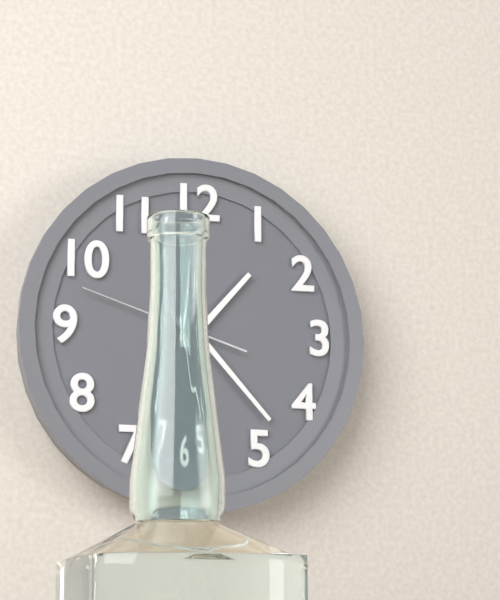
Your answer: **1:23:48**
